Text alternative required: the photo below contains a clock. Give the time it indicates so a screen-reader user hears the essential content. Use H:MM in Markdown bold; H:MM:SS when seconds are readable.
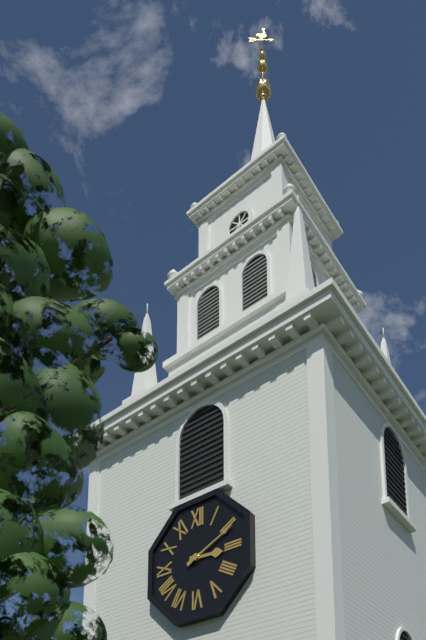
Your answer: **3:11**
